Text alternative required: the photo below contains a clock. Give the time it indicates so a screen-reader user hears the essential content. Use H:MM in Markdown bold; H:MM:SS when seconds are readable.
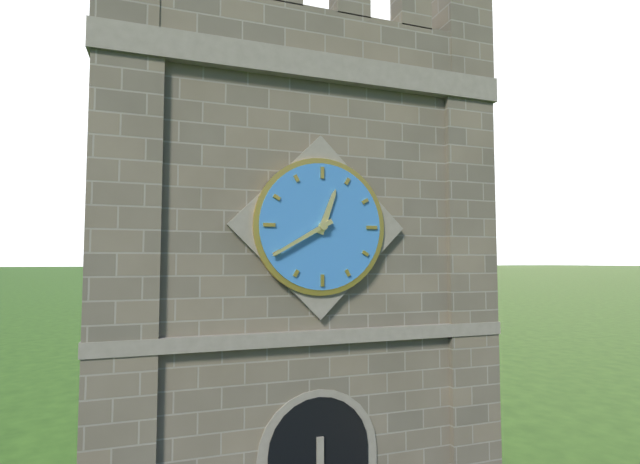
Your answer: **12:40**
